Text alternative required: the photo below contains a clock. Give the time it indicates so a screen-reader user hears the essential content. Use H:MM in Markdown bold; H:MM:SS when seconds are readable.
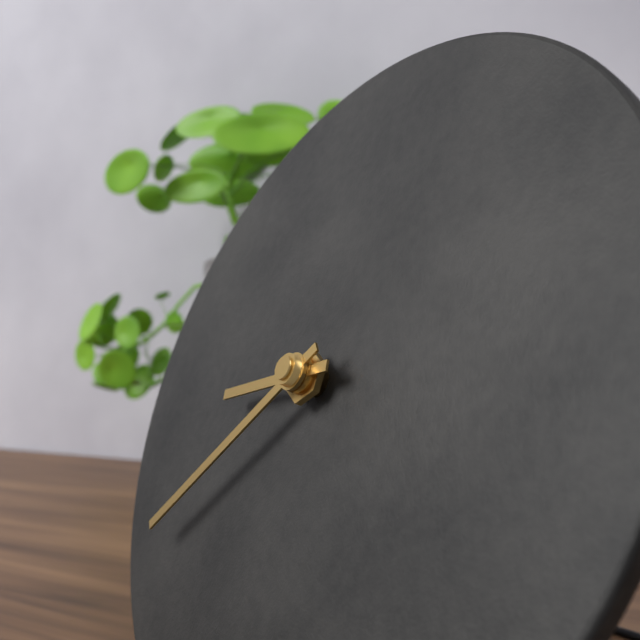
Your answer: **8:38**
